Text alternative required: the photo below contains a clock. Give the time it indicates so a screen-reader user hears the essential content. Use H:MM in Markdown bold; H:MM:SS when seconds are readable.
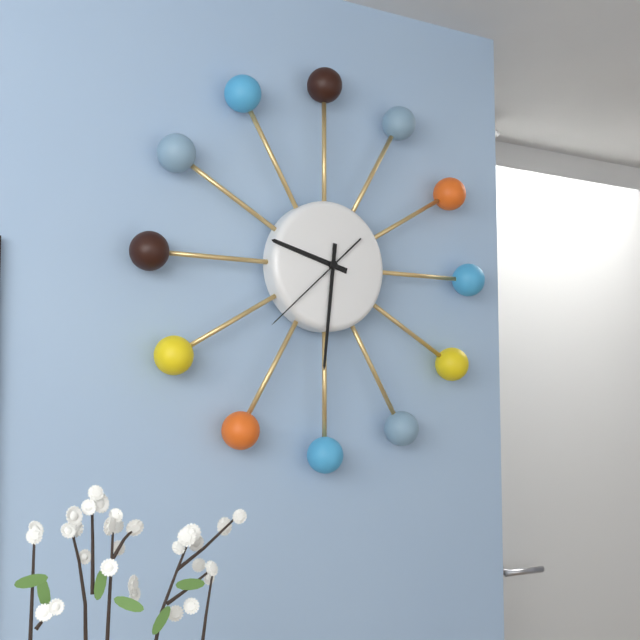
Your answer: **9:31:38**
